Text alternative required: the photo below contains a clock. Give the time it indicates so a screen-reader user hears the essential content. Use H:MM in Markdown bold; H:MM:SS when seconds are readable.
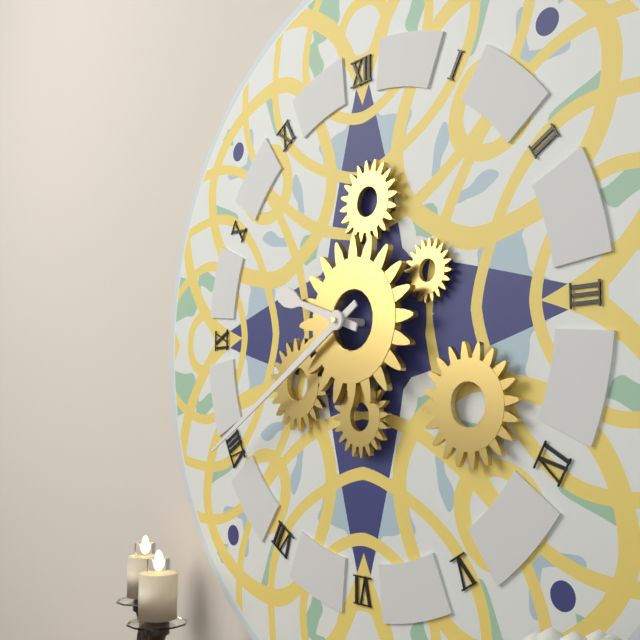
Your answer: **9:40**
